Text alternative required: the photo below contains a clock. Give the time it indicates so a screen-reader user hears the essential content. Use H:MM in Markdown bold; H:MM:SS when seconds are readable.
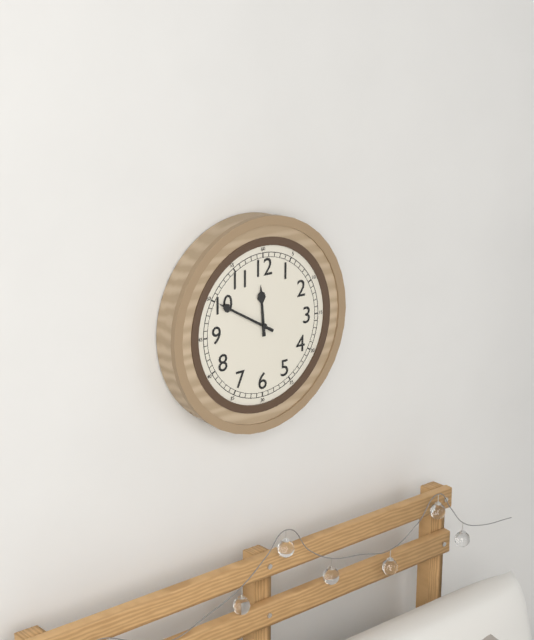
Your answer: **11:50**
